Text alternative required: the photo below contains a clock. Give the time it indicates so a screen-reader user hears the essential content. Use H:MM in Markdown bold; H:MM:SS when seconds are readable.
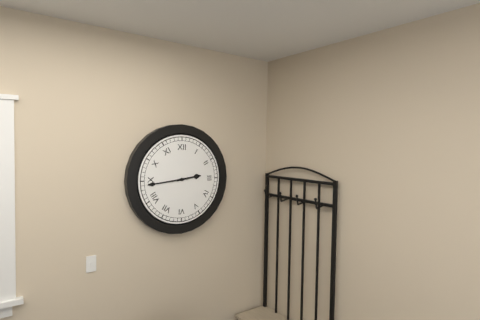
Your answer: **2:44**
